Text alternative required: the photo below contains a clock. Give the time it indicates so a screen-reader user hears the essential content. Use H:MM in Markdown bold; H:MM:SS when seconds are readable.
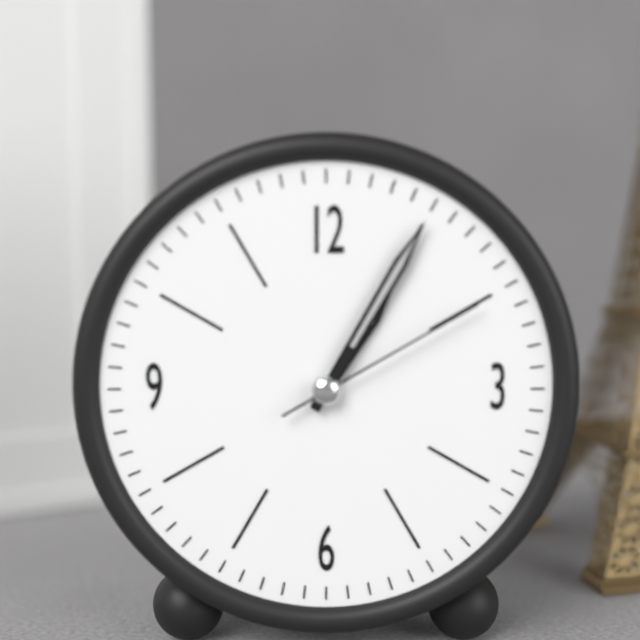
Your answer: **1:05:10**
